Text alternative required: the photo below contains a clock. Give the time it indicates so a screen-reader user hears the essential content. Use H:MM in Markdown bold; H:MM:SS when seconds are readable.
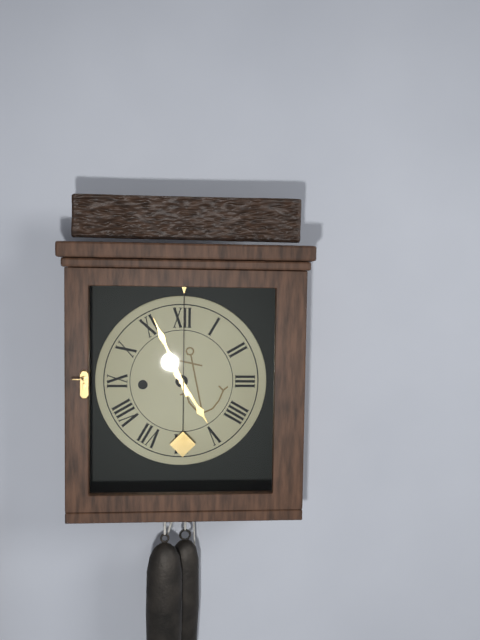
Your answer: **4:56**
